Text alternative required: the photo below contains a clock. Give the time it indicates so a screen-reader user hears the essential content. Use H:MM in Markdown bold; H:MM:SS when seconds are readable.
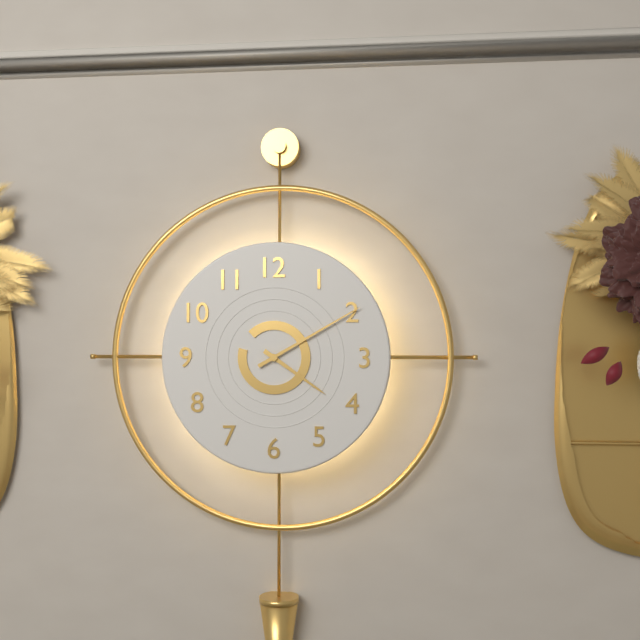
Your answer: **4:10**
